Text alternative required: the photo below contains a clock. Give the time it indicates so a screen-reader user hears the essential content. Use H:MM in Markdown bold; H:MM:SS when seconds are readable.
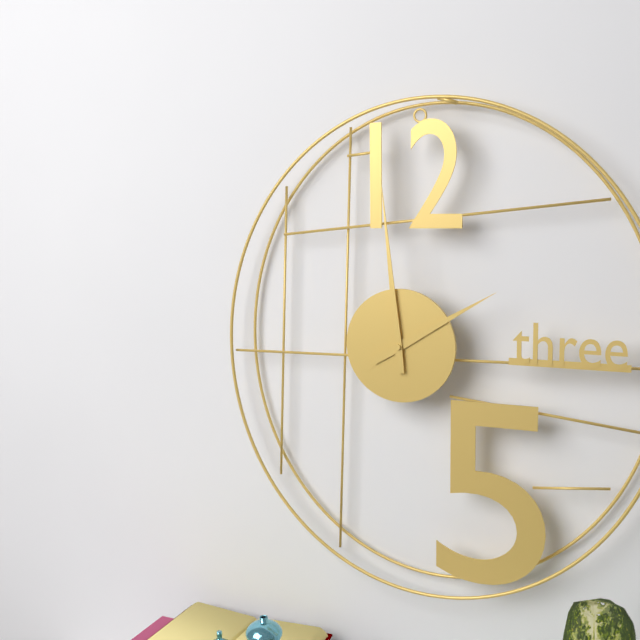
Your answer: **1:59**
